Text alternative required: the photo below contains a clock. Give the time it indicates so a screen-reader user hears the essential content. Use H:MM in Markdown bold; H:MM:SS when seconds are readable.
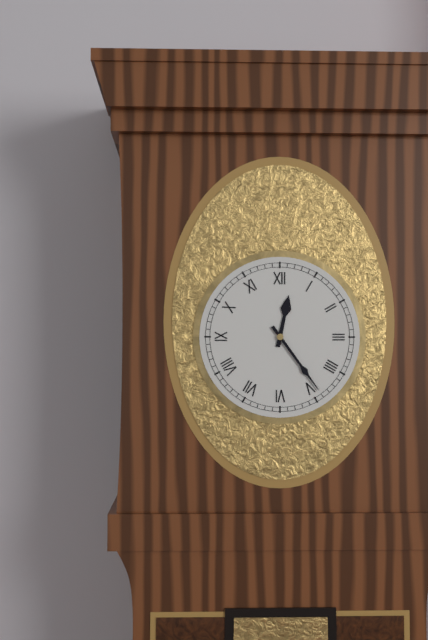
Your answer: **12:24**
